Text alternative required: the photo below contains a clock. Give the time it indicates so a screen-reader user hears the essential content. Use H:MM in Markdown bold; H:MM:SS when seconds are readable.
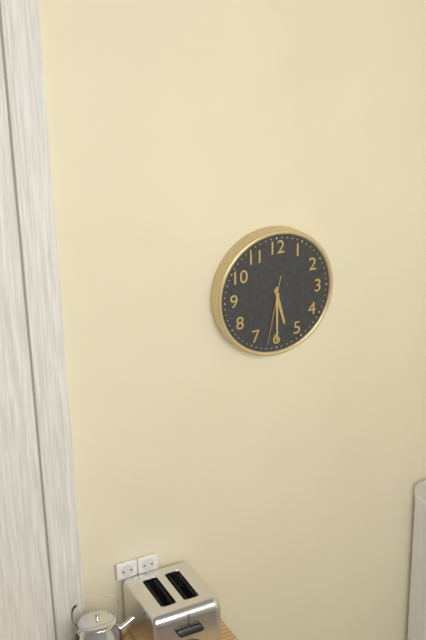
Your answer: **5:30:32**
